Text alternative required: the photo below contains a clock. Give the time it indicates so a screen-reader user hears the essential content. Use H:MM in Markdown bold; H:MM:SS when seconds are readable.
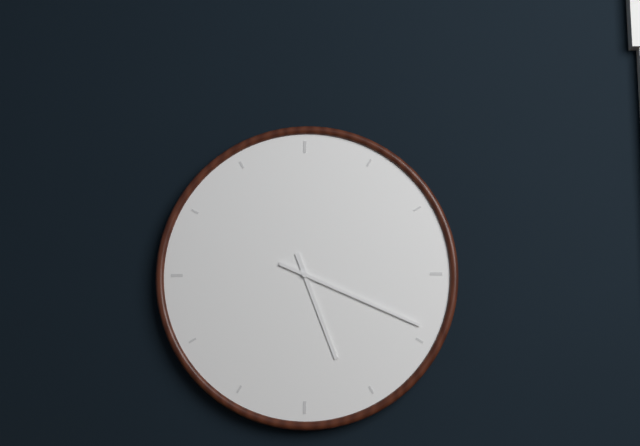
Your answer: **5:19**
